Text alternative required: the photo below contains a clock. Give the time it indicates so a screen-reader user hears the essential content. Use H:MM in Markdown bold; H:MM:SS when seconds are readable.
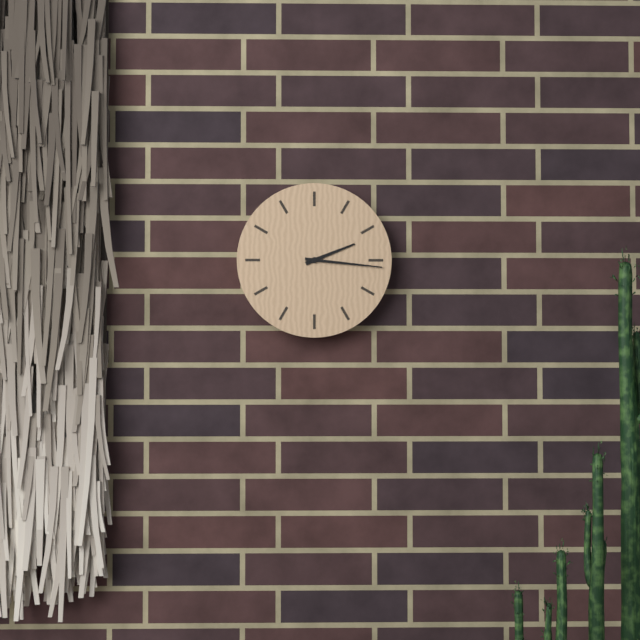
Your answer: **2:16**
